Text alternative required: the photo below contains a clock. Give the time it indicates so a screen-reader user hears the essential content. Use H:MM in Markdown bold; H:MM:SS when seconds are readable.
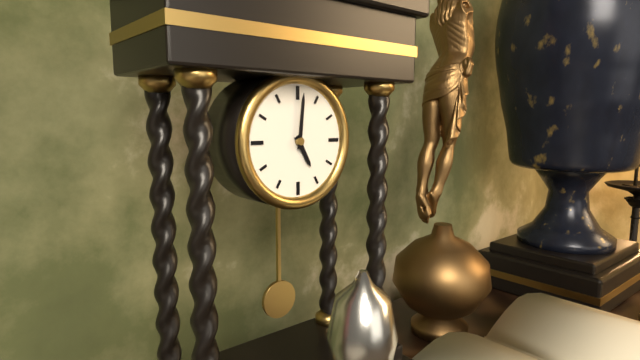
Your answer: **5:01**
